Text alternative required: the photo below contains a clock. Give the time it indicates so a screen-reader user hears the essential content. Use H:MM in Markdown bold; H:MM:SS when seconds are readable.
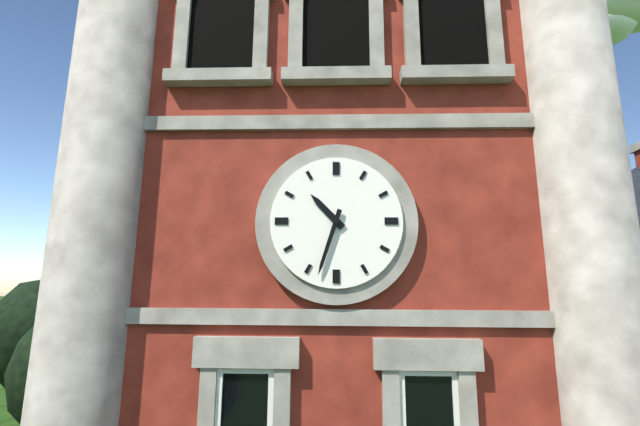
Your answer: **10:33**
